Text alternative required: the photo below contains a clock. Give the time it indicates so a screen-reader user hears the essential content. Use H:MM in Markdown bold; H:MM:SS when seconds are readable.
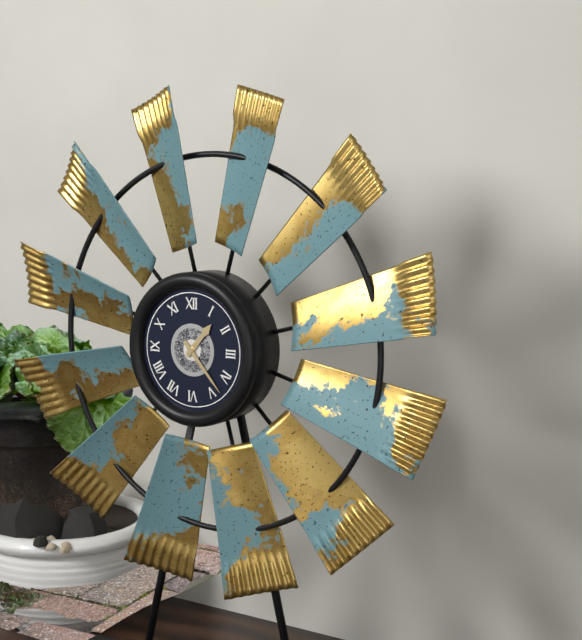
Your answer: **1:23**
